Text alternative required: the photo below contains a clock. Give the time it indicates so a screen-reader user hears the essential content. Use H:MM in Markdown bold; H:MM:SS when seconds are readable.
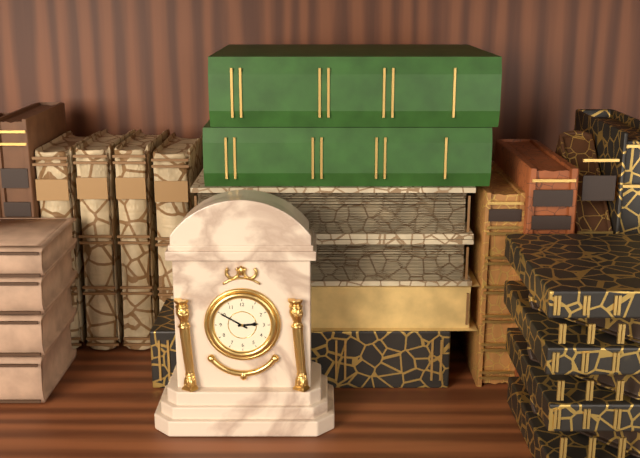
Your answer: **2:50**
